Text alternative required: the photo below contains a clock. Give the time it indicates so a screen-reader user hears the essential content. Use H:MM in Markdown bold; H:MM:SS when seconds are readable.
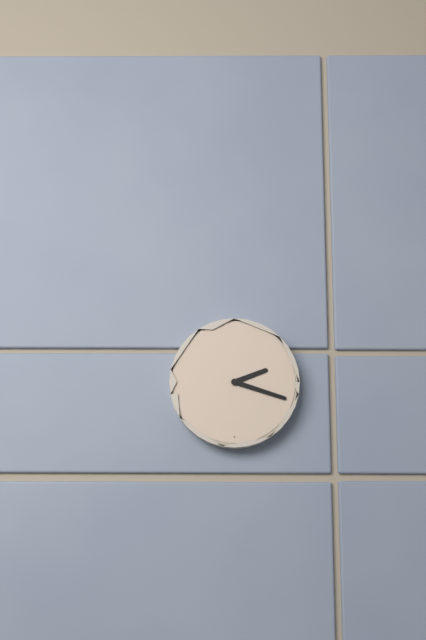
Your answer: **2:18**
